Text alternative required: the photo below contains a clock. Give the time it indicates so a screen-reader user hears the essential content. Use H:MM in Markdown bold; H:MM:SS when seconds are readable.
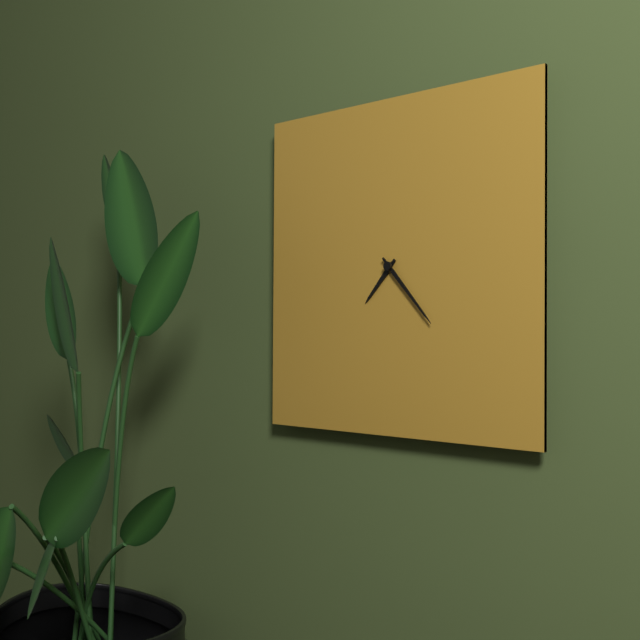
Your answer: **7:23**
